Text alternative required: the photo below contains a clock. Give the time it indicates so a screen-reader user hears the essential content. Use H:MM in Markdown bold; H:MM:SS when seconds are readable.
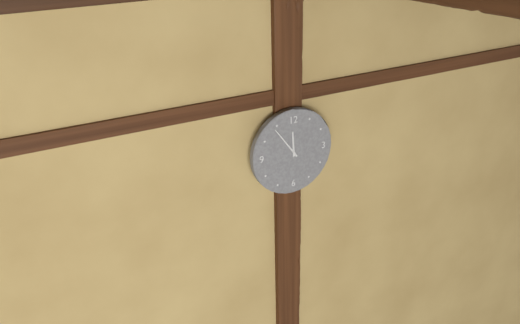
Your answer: **11:54**
